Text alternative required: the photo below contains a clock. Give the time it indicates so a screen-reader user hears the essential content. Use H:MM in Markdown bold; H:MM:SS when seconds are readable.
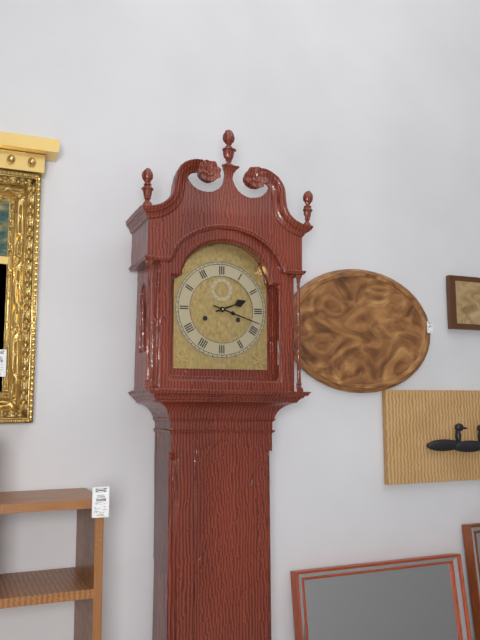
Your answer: **2:18**
